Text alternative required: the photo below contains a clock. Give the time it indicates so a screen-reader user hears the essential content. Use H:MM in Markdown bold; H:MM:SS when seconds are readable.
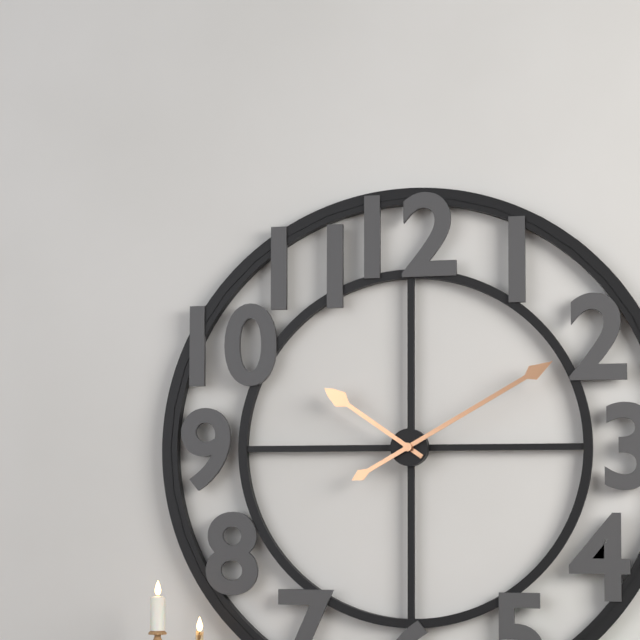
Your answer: **10:10**
